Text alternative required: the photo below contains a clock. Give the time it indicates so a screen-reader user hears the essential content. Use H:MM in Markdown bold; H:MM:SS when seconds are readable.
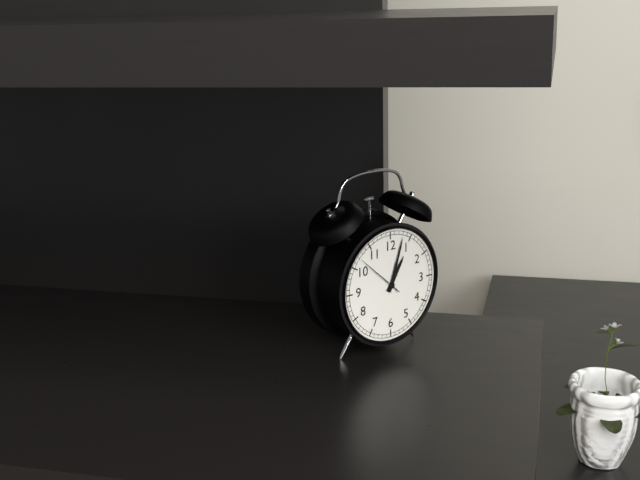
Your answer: **1:03:52**
